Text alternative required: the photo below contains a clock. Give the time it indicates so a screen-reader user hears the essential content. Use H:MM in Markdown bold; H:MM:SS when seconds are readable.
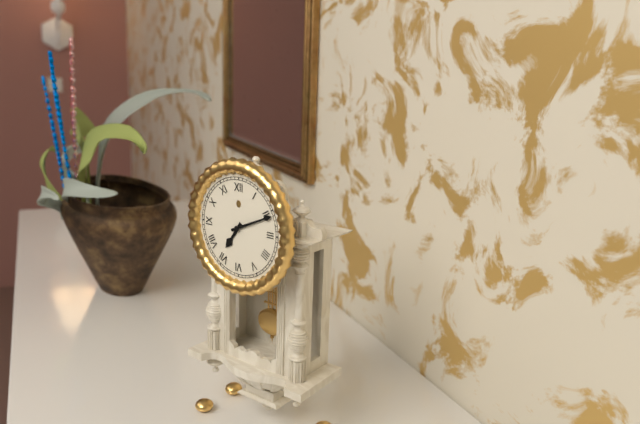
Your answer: **7:11**
